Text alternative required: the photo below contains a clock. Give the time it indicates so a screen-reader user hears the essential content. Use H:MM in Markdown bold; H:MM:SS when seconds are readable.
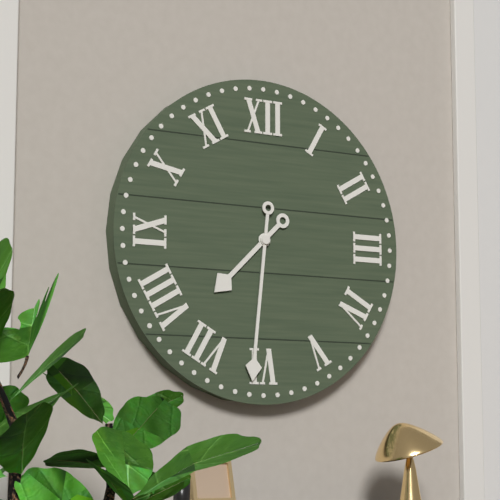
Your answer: **7:31**
